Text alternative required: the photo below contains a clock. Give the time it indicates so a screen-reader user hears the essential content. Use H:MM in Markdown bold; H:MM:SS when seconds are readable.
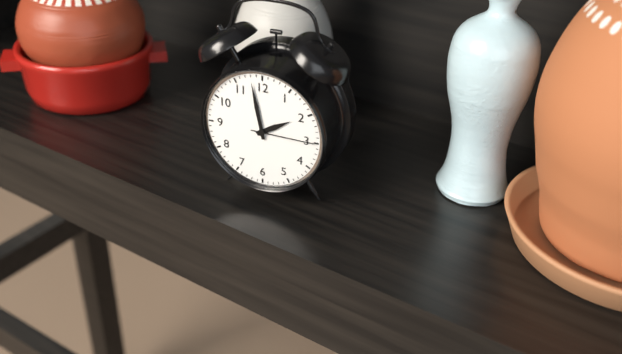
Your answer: **1:58:15**
